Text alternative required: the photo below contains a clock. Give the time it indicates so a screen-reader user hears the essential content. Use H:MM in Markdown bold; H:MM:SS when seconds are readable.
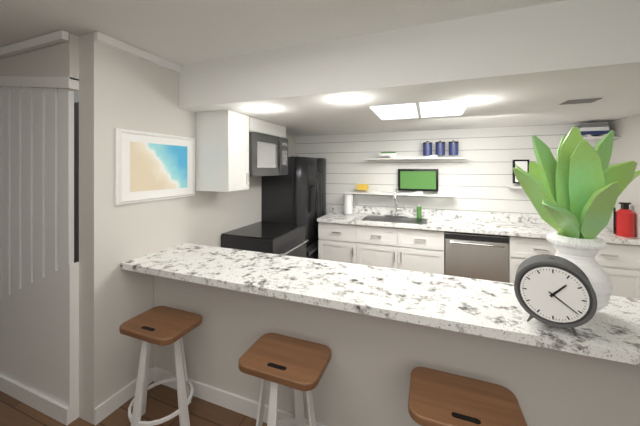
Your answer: **1:21**
